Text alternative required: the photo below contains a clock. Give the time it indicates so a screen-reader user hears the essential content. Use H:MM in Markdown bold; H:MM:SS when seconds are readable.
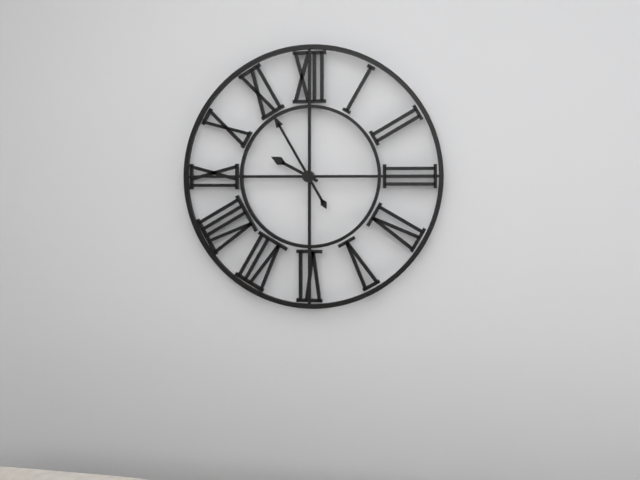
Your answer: **9:55**
